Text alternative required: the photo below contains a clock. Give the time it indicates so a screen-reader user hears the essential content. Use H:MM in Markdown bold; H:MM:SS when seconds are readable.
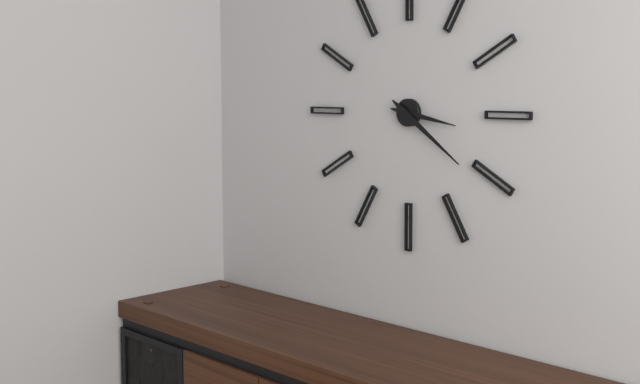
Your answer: **3:21**
